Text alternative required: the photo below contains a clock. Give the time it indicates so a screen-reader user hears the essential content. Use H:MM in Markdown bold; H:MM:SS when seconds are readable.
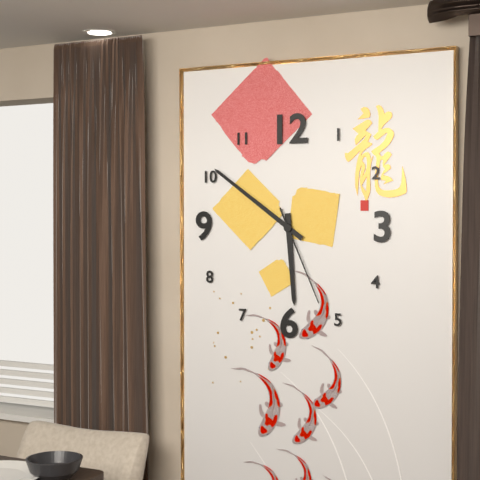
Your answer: **5:51:26**
